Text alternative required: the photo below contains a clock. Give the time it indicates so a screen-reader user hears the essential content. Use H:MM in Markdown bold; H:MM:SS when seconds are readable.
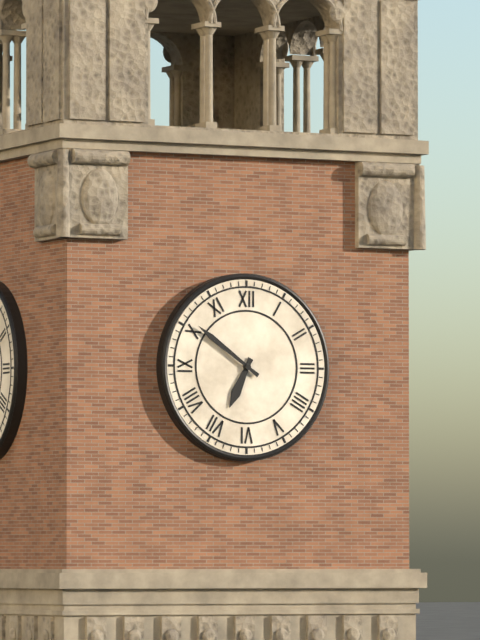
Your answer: **6:51**
